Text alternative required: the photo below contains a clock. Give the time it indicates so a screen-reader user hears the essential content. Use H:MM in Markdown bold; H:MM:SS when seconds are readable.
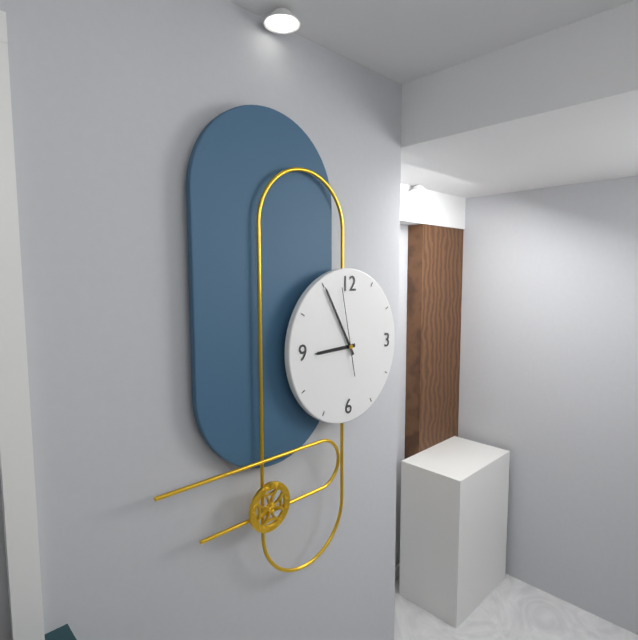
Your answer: **8:55:58**
